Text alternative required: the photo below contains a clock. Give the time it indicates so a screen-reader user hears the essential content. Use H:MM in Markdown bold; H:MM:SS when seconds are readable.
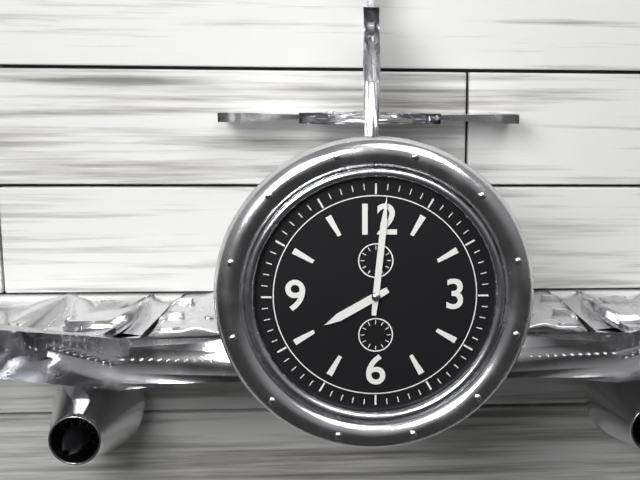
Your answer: **8:01**
